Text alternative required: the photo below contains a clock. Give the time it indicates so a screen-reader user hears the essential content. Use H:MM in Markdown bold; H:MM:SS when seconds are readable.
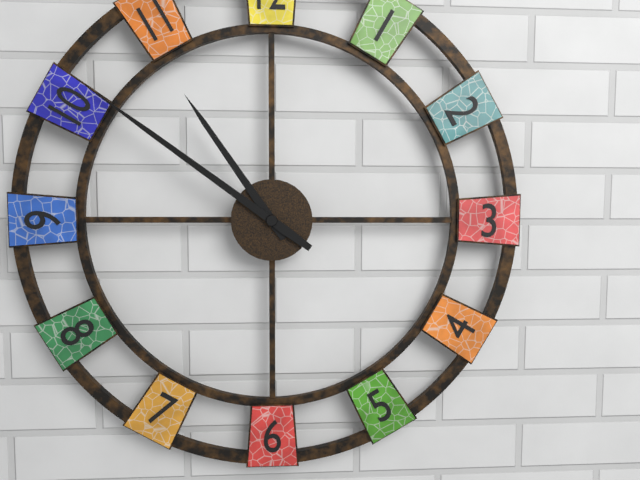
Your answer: **10:51**
